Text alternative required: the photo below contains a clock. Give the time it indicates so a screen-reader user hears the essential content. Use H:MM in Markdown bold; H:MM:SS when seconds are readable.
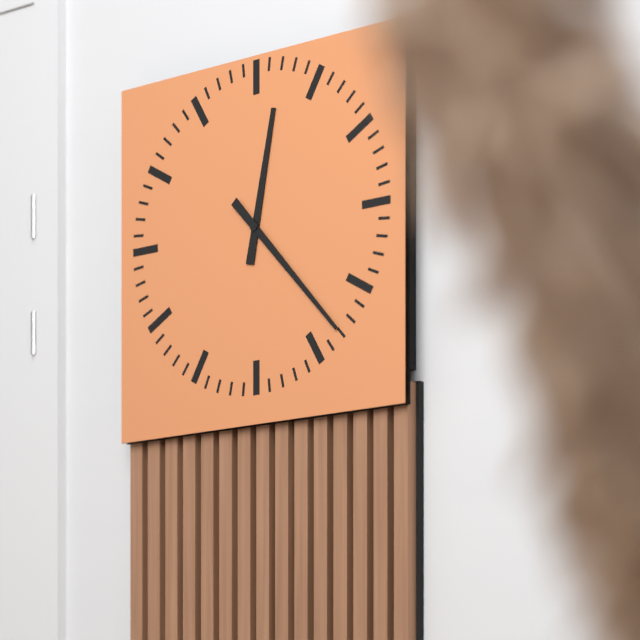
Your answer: **12:23**
